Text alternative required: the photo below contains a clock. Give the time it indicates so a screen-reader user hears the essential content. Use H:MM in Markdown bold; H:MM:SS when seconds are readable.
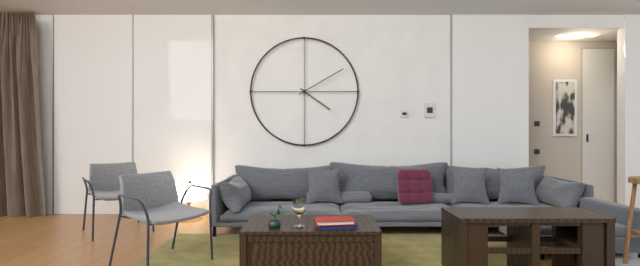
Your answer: **4:10**
